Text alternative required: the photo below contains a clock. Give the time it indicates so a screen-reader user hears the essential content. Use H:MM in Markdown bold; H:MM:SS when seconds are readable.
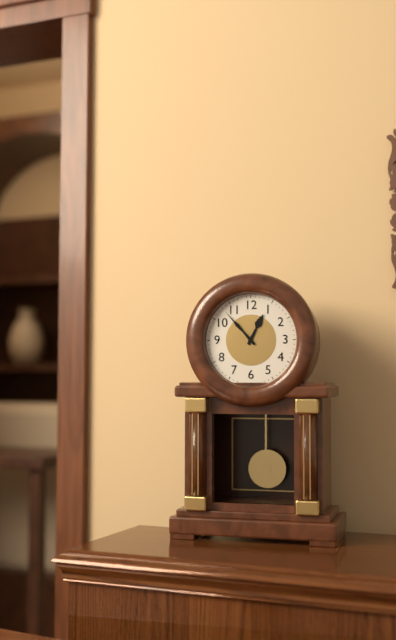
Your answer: **12:53**
